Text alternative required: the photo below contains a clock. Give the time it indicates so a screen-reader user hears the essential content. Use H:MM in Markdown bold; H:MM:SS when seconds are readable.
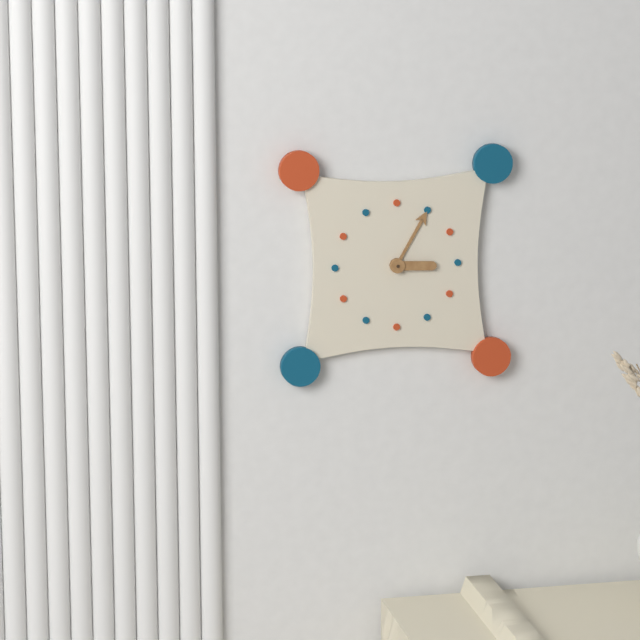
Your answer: **3:05**
